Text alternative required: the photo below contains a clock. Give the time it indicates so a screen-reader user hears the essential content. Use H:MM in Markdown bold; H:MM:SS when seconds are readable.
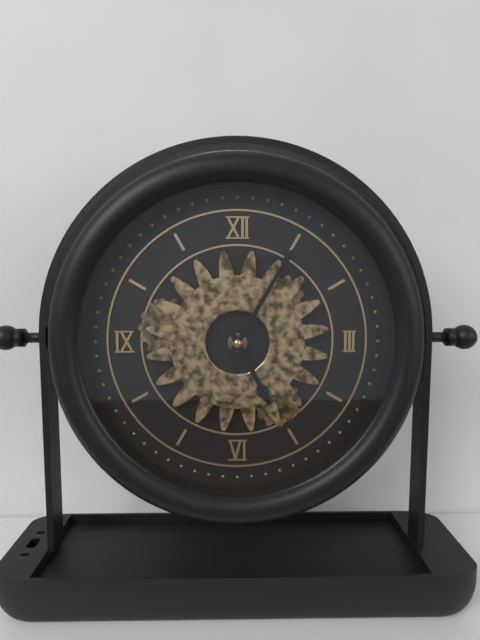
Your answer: **5:05**
